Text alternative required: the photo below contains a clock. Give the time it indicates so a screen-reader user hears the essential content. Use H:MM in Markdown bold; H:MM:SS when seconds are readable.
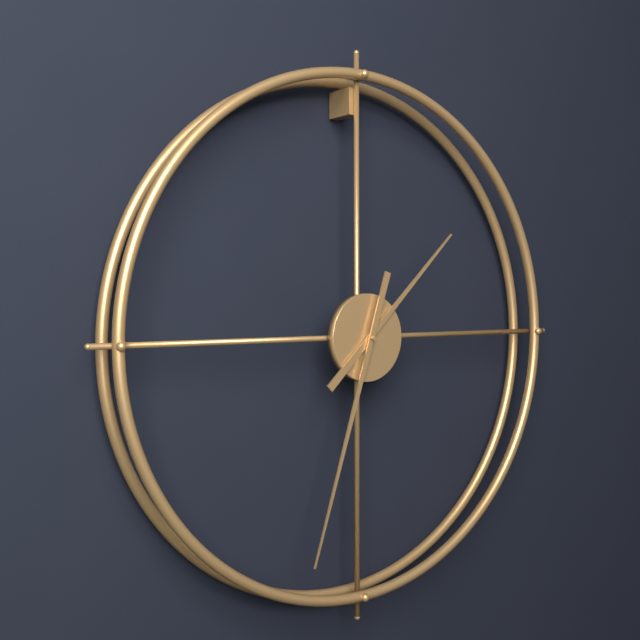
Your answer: **1:33**
